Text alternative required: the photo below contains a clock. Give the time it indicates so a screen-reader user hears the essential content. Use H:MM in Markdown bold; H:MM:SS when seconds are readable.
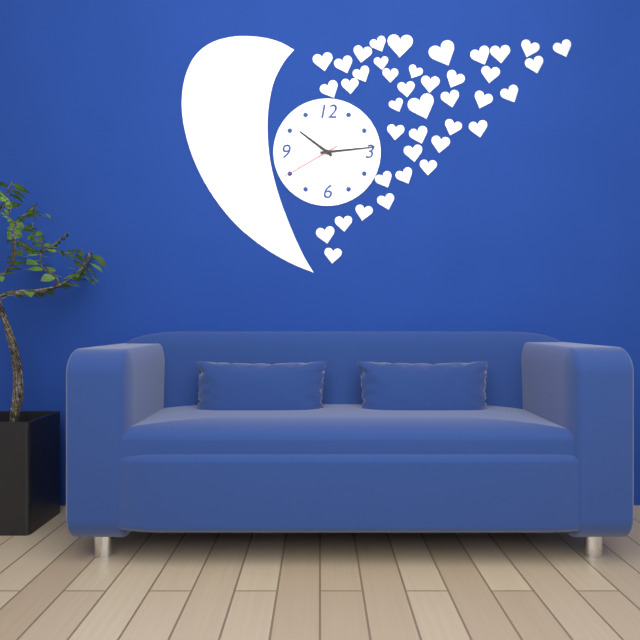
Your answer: **10:14:40**
